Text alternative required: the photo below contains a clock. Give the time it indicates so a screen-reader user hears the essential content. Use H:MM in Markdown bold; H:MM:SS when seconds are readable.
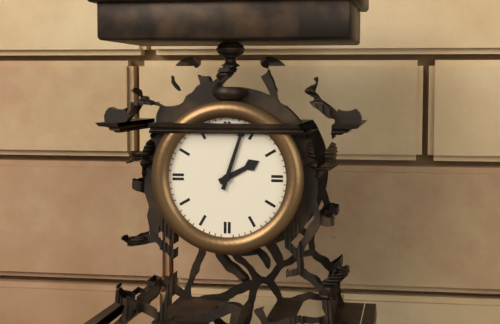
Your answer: **2:03**
